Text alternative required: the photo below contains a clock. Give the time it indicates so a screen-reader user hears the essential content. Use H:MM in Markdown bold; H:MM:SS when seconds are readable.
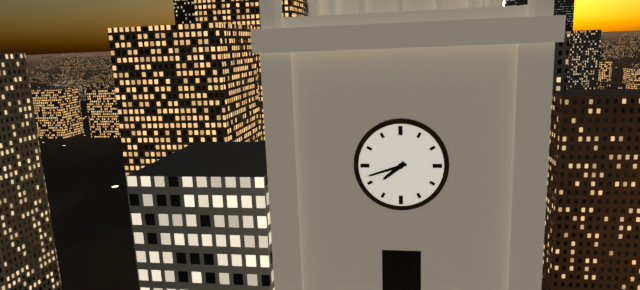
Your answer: **7:42**
